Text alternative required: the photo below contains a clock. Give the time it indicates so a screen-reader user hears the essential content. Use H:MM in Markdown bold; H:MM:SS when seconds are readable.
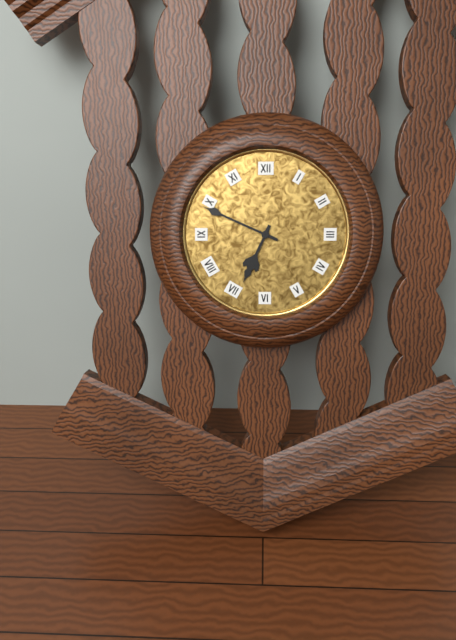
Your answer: **6:49**
